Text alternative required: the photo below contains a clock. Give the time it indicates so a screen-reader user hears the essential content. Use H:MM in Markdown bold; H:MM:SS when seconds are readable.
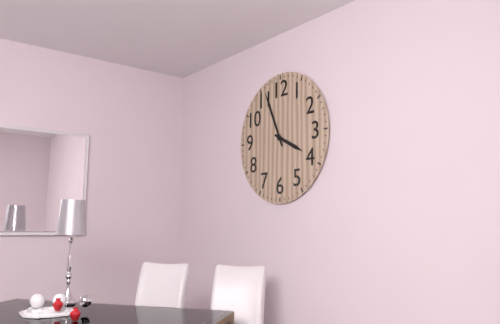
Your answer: **3:56**
